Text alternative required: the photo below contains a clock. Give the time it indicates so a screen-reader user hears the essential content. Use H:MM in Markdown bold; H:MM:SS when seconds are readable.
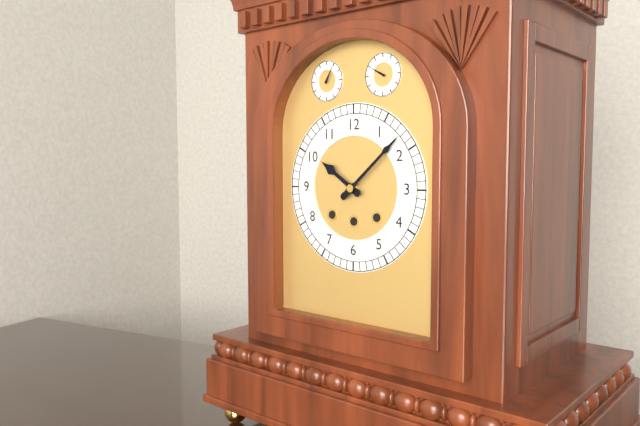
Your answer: **10:08**
